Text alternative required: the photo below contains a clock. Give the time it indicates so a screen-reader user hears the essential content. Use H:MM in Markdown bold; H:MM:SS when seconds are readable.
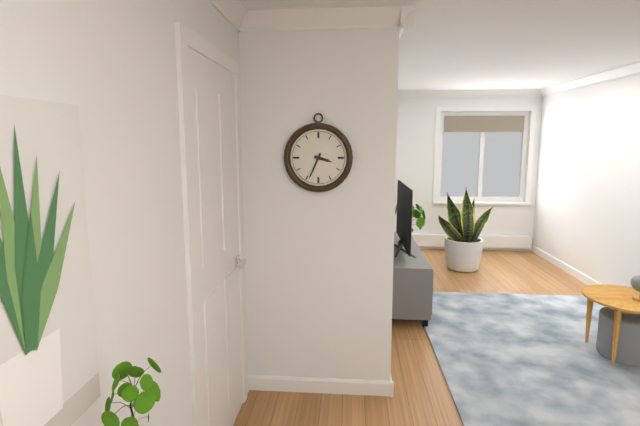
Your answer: **3:34**
